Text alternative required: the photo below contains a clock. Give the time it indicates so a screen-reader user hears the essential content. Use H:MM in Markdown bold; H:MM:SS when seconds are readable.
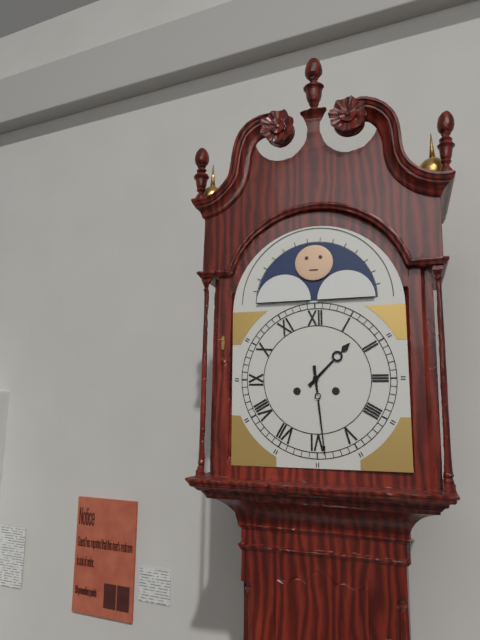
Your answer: **1:29**
